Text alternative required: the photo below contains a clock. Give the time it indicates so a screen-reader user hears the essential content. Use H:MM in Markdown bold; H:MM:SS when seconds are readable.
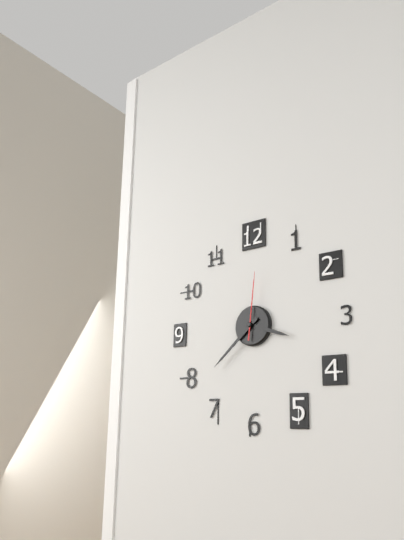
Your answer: **3:38:01**
